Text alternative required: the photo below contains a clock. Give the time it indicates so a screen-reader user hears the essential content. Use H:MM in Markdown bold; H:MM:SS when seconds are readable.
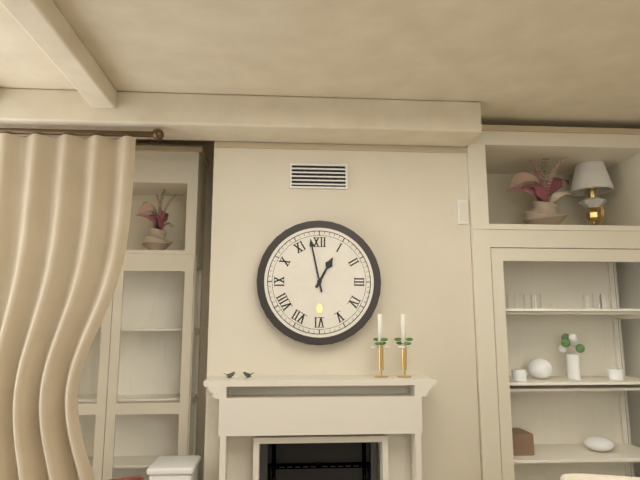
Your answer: **12:58**
